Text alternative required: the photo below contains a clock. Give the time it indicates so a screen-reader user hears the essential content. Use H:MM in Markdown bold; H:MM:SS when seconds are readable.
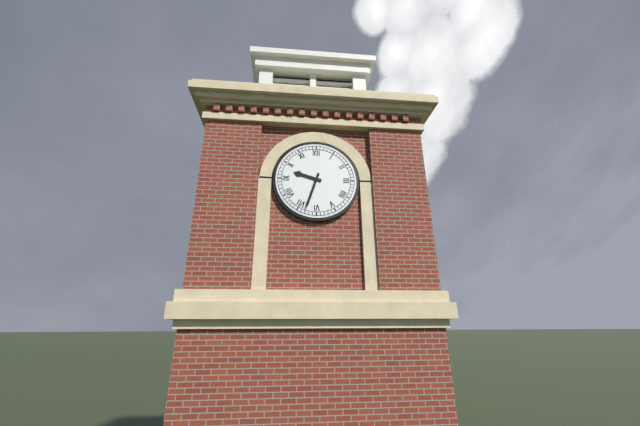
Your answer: **9:33**
